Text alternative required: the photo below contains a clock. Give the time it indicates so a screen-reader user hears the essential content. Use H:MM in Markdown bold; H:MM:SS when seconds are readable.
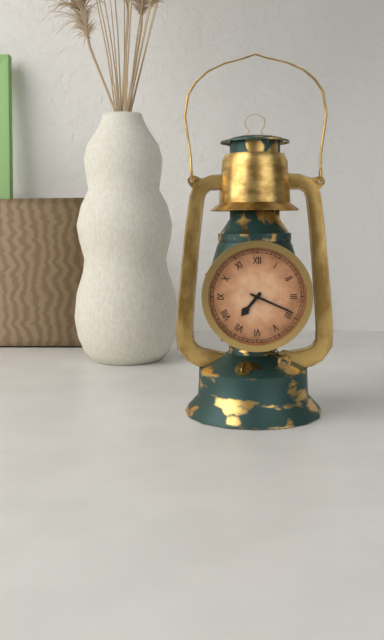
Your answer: **7:19**
